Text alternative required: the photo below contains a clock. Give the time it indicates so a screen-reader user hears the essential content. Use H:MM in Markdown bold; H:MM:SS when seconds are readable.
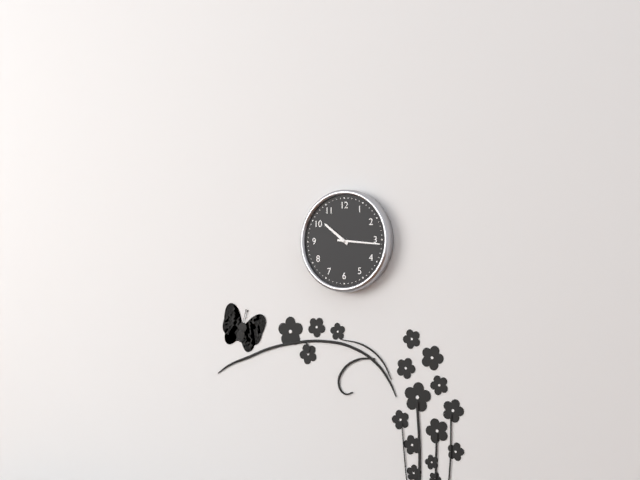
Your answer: **10:16**
